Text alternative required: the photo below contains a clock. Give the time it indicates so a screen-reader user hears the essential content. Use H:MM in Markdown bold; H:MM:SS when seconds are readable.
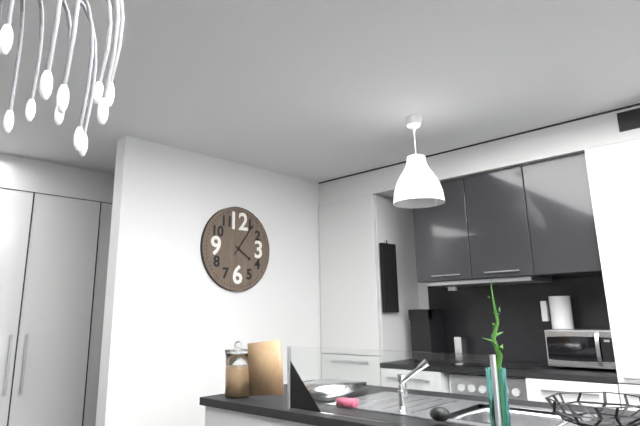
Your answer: **4:06**
